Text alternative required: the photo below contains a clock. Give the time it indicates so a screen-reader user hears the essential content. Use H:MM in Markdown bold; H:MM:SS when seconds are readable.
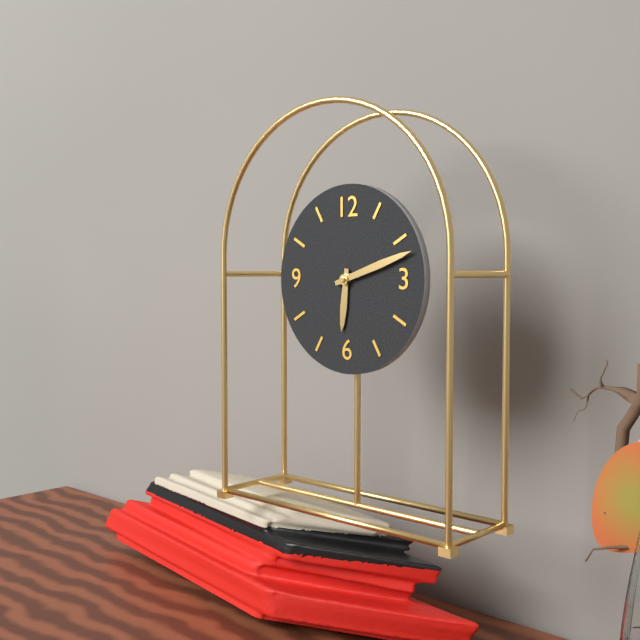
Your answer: **6:12**
